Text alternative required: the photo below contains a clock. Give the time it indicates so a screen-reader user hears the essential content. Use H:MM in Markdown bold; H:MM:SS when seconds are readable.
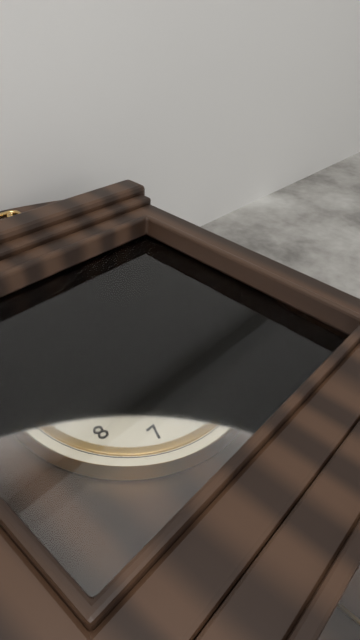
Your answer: **9:19**
